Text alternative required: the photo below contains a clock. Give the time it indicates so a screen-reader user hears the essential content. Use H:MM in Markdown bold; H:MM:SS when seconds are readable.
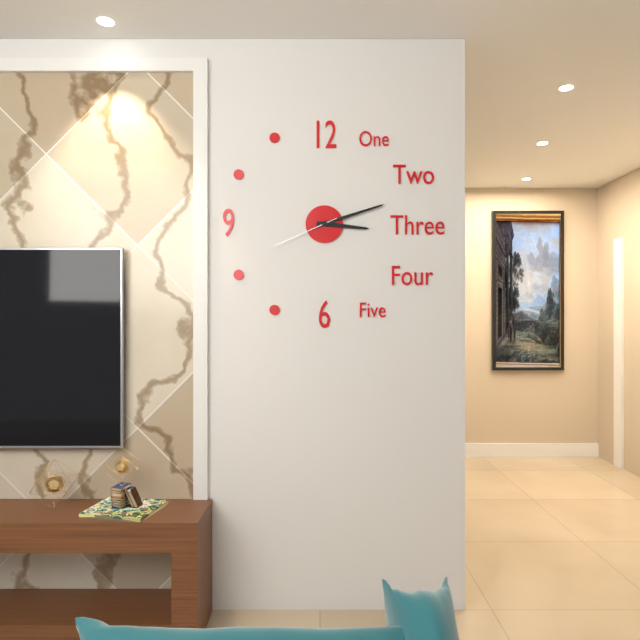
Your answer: **3:12:41**
